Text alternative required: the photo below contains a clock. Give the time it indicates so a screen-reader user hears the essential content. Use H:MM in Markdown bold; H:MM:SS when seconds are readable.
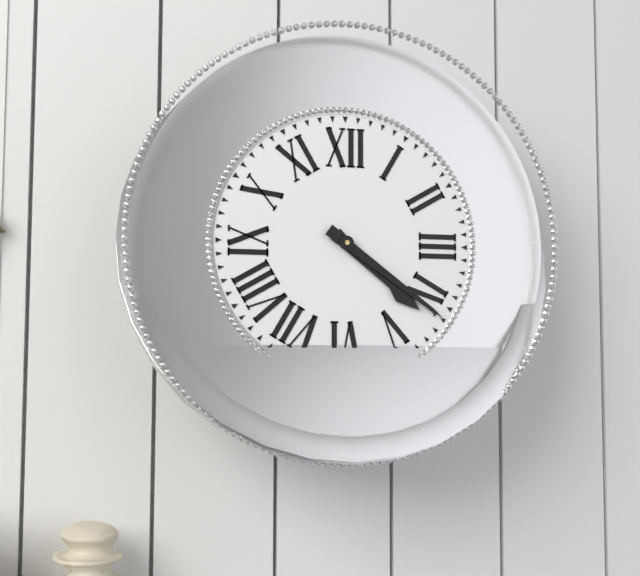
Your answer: **4:21**
